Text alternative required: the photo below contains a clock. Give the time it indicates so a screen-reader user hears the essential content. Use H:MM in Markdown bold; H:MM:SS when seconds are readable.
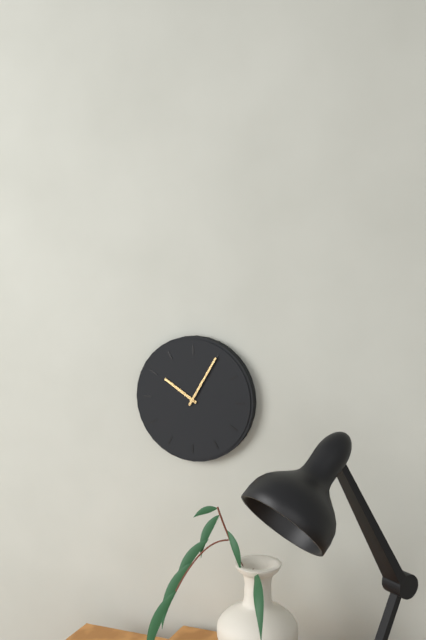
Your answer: **10:05**
